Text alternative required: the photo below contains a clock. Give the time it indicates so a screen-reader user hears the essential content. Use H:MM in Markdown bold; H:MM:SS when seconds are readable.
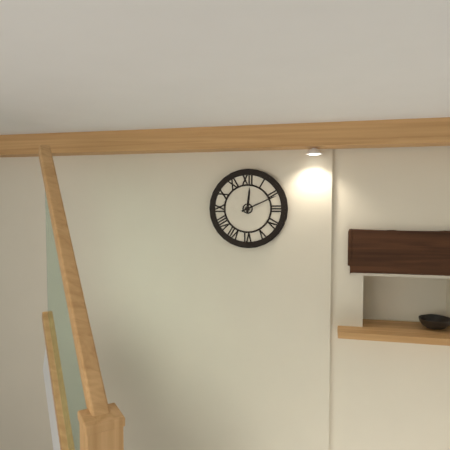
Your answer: **12:11**
